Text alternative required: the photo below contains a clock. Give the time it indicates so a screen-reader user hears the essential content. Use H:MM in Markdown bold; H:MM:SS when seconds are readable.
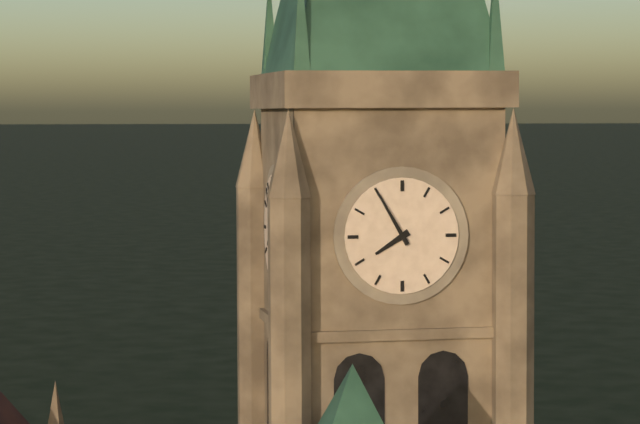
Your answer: **7:55**
